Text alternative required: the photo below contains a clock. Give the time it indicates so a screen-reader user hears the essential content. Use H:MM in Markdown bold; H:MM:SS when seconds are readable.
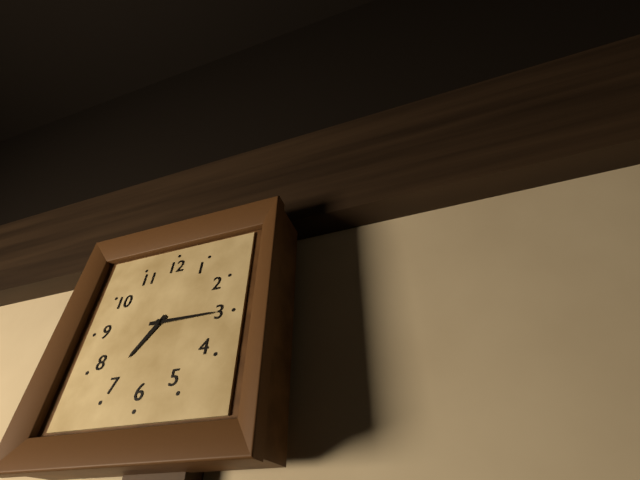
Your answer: **7:15**
